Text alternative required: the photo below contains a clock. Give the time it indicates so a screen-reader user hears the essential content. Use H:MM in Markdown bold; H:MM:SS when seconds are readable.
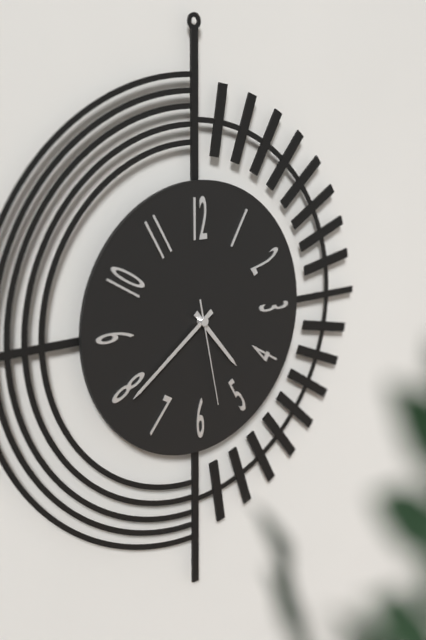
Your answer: **4:39:28**
